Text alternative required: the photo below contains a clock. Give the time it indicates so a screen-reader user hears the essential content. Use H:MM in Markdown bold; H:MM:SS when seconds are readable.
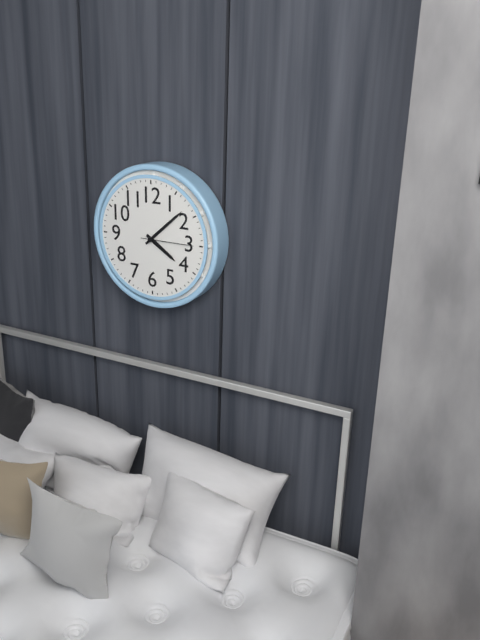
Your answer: **4:08:15**
